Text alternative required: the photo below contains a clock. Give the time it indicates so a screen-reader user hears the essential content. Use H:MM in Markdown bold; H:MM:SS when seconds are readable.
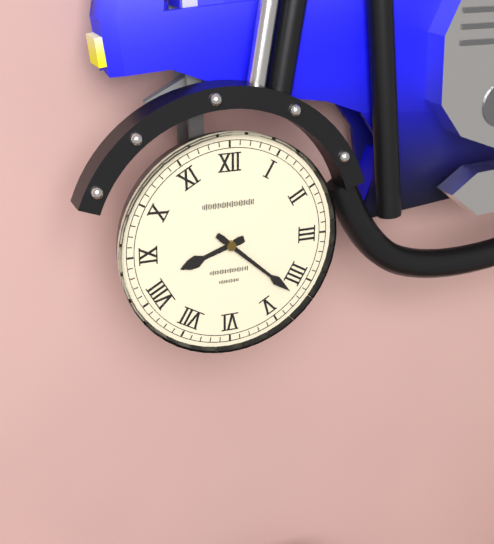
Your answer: **8:22**
